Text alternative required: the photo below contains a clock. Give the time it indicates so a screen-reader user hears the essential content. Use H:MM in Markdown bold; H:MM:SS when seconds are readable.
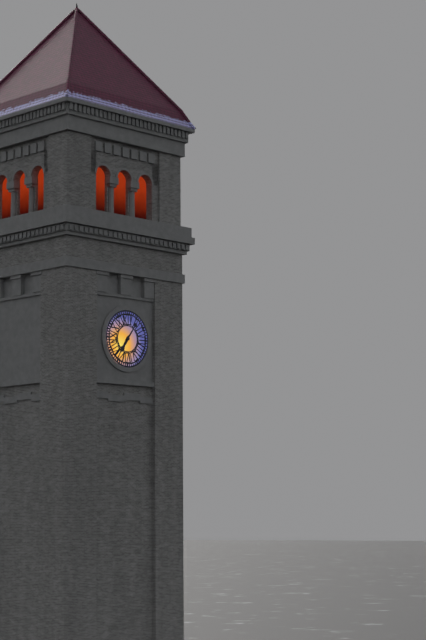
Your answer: **7:06**
